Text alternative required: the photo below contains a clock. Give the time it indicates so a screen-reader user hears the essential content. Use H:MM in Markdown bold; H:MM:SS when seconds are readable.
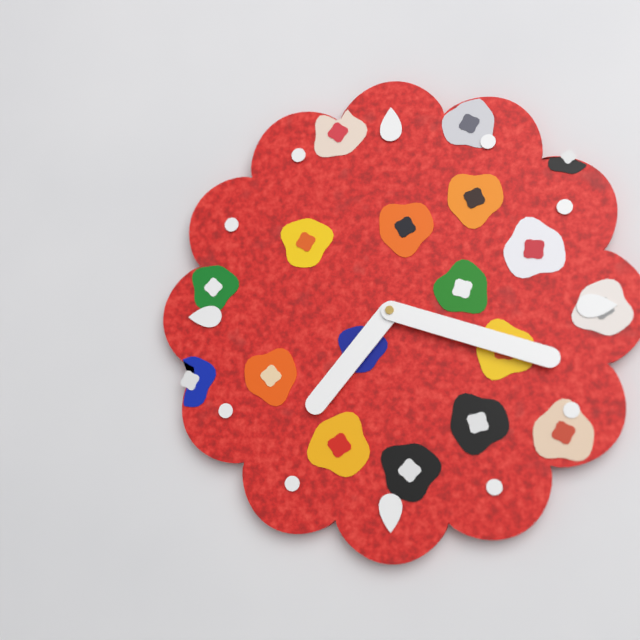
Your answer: **7:18**
